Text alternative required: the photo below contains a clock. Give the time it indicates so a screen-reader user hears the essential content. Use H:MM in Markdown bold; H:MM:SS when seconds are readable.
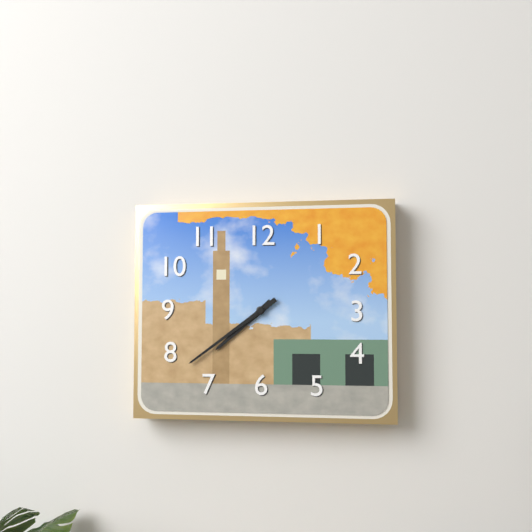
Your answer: **7:39**
